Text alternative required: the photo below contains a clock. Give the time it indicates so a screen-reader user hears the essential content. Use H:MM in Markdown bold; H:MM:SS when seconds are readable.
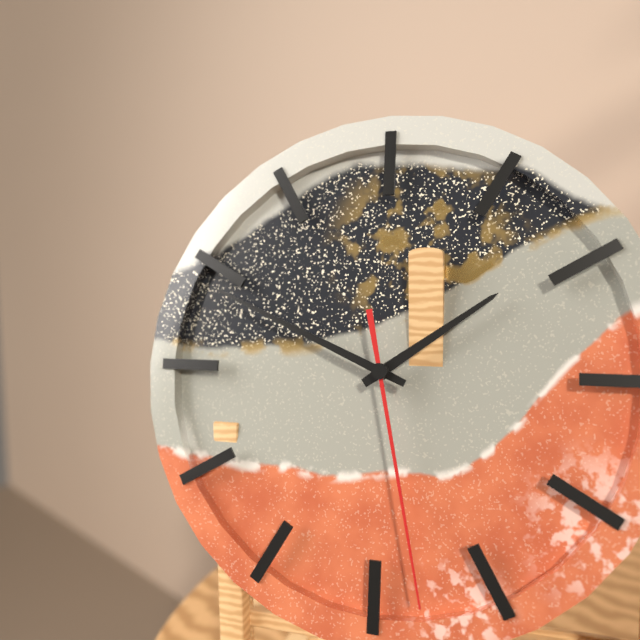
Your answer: **1:49:28**
